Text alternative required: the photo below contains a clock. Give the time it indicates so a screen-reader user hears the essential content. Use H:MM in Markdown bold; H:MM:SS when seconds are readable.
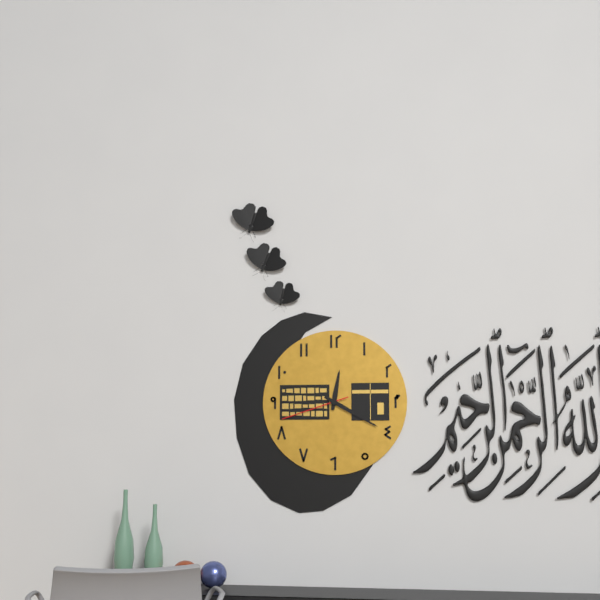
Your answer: **12:20:42**
